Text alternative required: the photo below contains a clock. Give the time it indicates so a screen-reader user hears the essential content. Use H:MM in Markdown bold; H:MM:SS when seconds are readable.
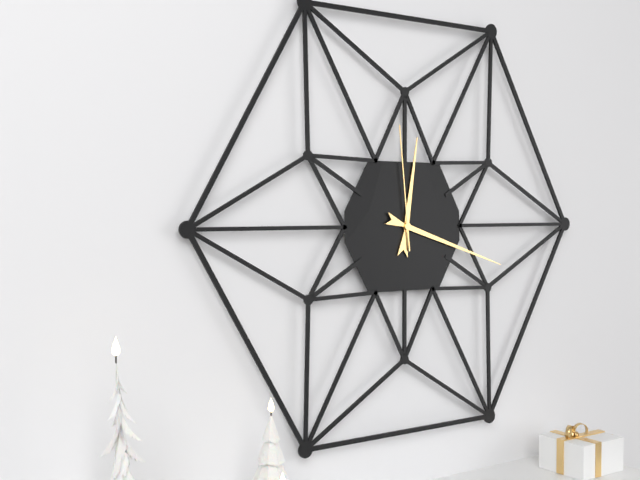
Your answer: **12:18:59**
